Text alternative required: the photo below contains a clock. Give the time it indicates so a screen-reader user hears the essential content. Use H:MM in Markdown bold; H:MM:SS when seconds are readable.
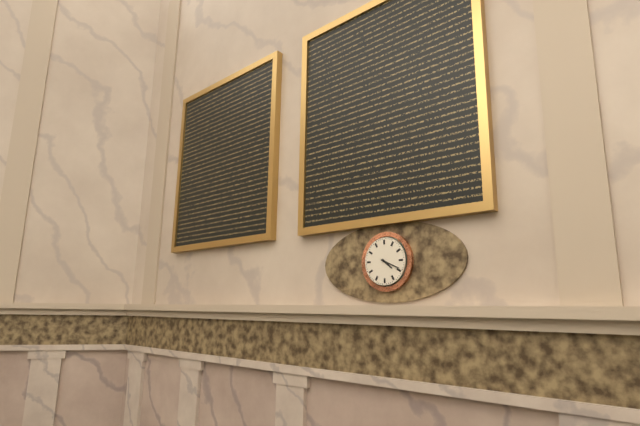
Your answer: **4:19**
